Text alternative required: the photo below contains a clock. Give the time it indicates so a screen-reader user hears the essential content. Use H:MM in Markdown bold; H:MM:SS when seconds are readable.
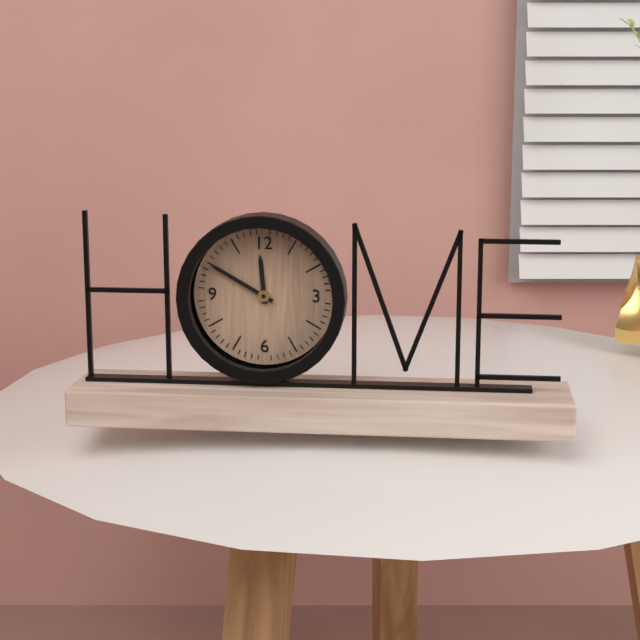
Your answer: **11:50**
